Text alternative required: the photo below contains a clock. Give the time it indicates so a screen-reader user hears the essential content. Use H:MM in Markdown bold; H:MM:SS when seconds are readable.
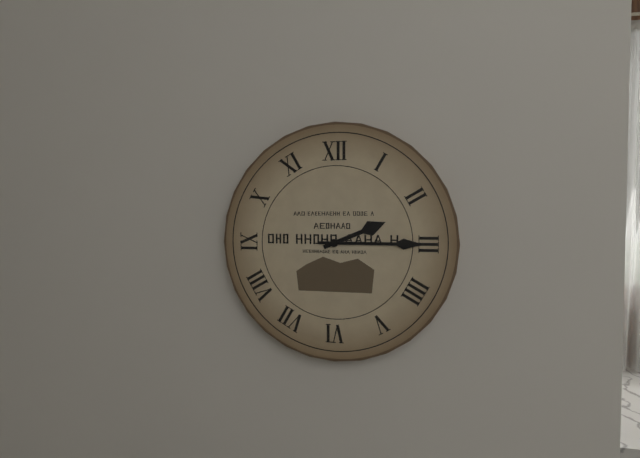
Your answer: **2:15**
